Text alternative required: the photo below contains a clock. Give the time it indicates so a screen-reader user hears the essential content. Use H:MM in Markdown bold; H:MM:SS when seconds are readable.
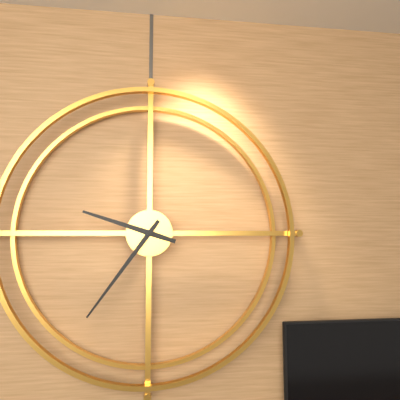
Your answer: **9:36**
